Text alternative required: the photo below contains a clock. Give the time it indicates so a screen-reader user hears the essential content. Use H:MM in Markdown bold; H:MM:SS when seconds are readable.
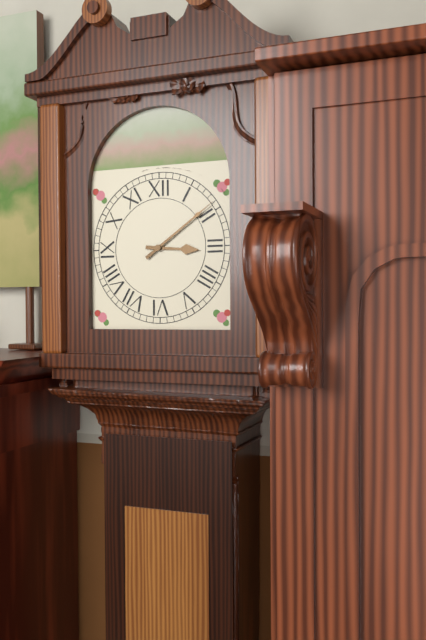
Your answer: **3:09**
